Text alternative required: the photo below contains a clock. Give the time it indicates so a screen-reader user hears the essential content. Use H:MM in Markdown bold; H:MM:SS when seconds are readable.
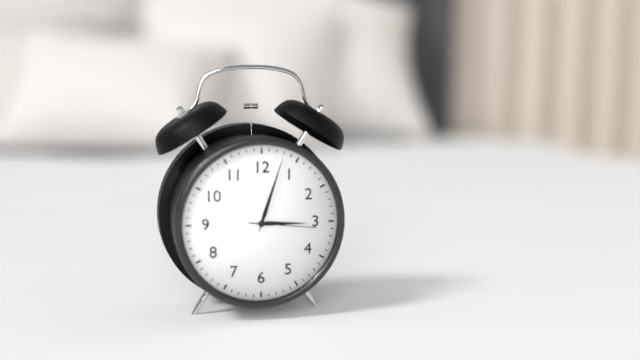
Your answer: **3:03:16**
